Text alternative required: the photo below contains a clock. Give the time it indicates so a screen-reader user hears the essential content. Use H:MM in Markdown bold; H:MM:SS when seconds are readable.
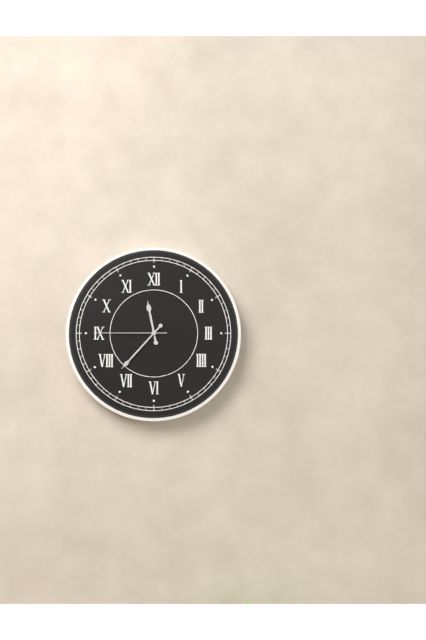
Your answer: **11:37:45**
